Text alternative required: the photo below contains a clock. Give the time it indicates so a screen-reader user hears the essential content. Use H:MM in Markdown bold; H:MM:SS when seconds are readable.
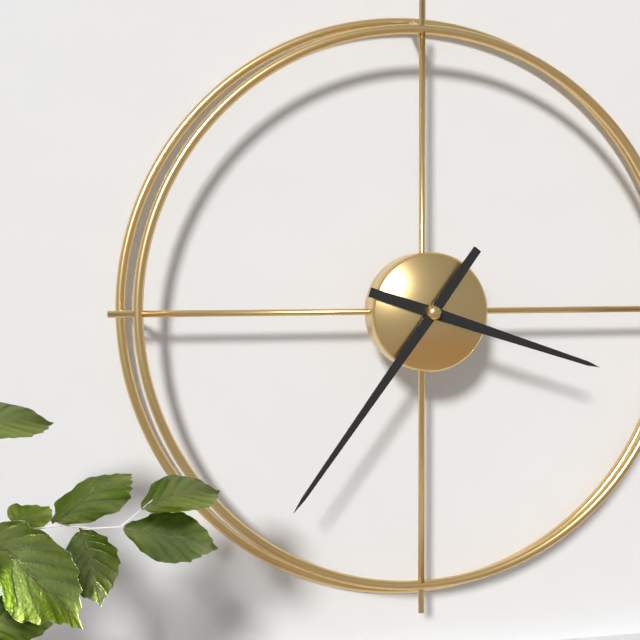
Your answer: **3:36**
